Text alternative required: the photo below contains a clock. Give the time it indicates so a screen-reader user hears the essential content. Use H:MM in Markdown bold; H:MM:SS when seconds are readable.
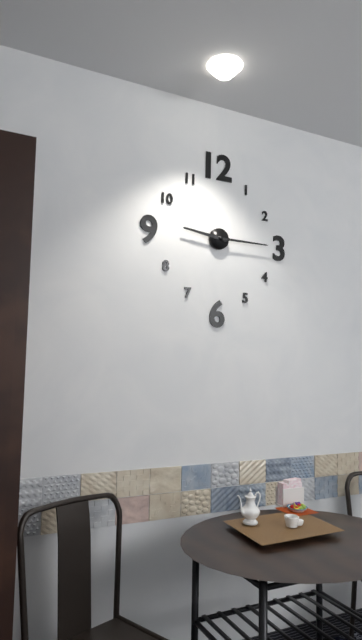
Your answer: **9:15**
